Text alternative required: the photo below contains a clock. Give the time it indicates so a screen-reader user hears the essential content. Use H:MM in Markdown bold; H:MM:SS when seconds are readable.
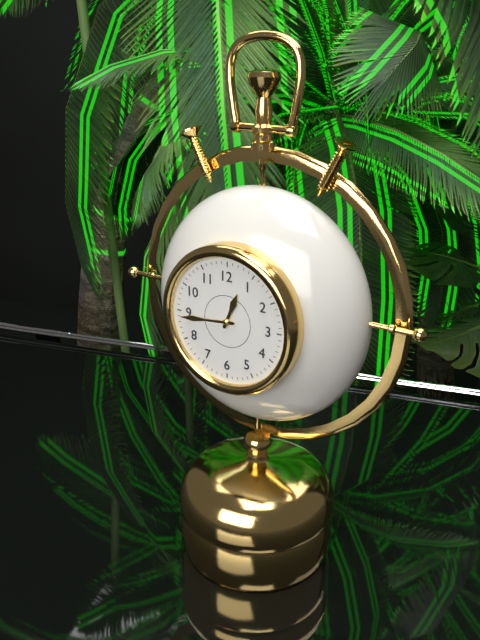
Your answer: **12:44**
